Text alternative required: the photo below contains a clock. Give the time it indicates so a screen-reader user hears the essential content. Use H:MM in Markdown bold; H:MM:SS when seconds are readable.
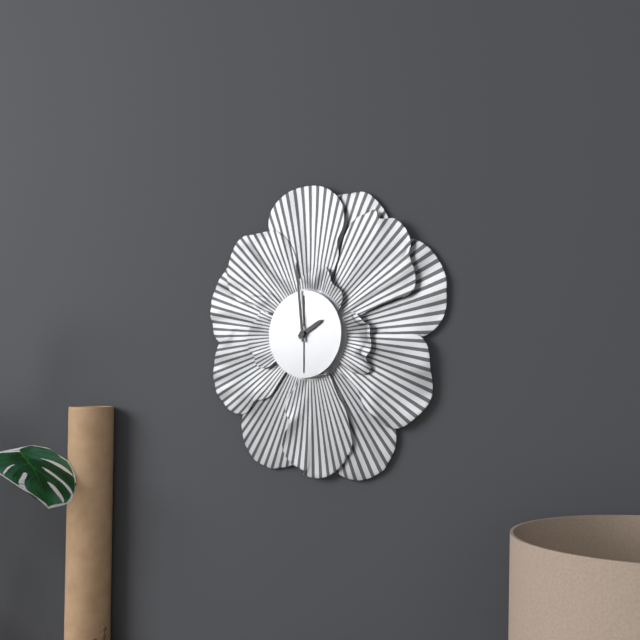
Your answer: **1:59**
